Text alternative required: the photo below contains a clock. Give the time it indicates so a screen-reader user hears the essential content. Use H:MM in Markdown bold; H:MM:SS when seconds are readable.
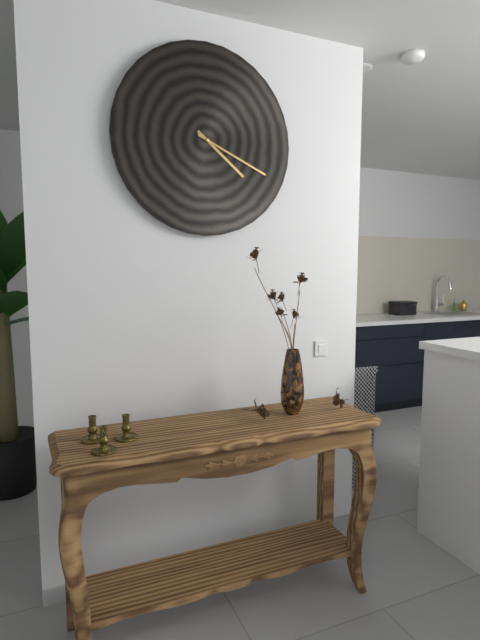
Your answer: **4:19**
